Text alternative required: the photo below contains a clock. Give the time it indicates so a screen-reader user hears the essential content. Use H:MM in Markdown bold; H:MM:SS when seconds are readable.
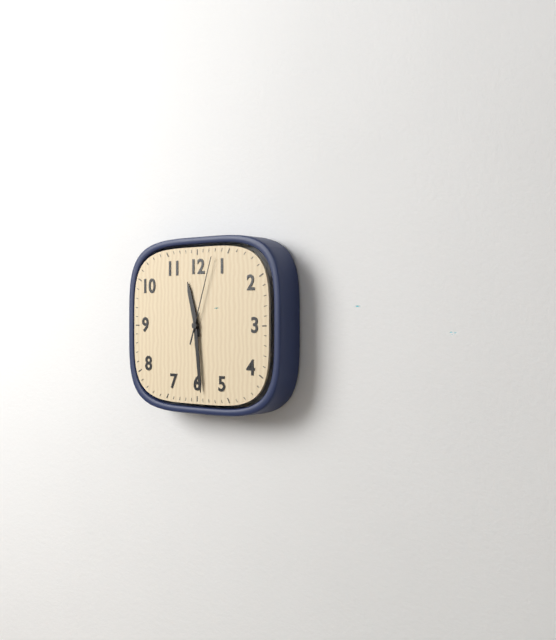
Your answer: **11:29:03**
